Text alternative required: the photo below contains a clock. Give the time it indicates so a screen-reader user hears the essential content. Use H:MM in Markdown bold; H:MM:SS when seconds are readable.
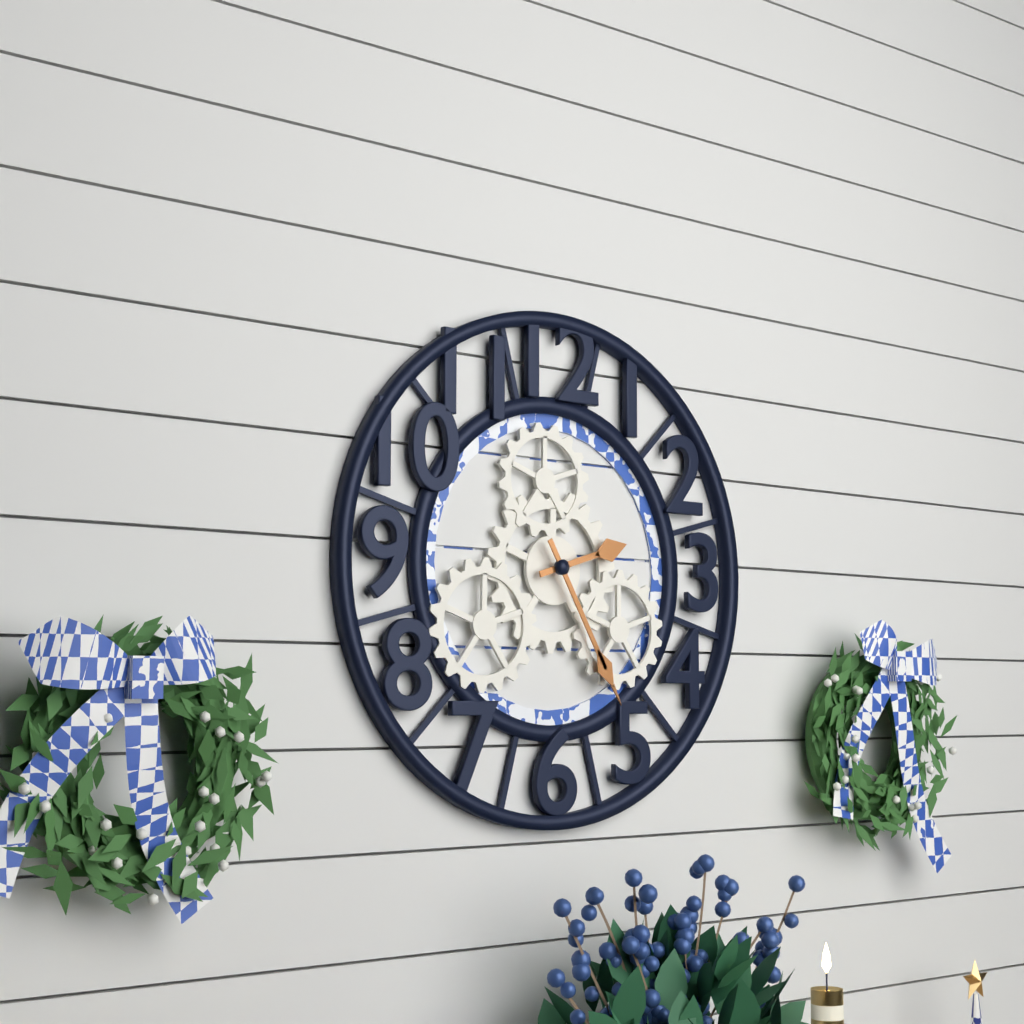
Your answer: **2:25**
